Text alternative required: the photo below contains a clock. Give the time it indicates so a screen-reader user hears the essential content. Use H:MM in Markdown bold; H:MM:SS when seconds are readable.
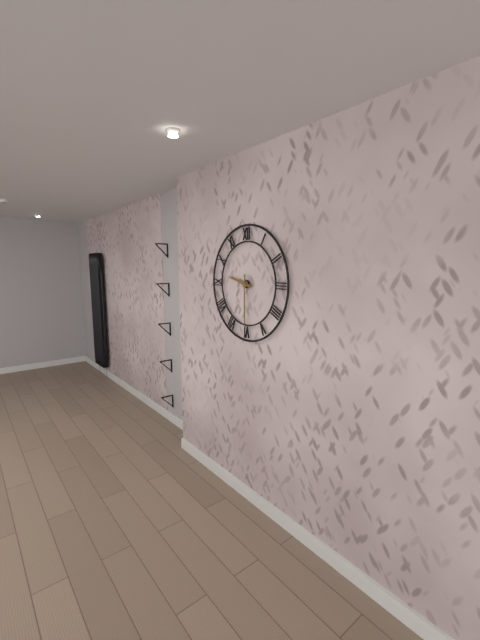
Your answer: **9:30**
